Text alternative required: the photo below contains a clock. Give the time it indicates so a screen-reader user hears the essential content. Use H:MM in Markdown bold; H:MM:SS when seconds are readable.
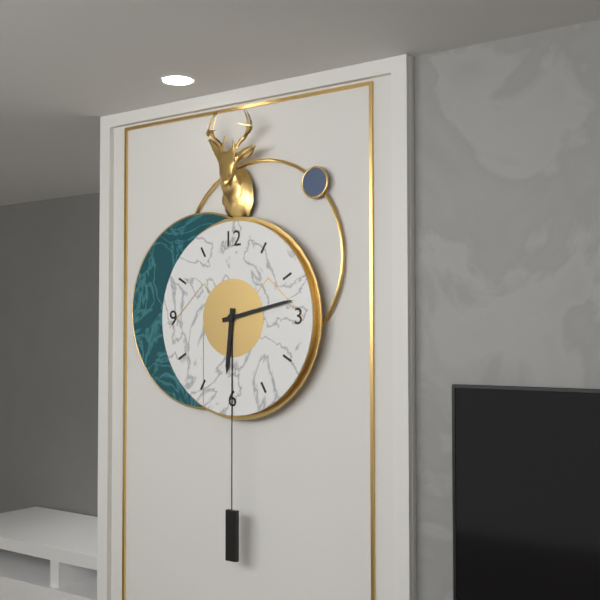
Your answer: **6:13**
